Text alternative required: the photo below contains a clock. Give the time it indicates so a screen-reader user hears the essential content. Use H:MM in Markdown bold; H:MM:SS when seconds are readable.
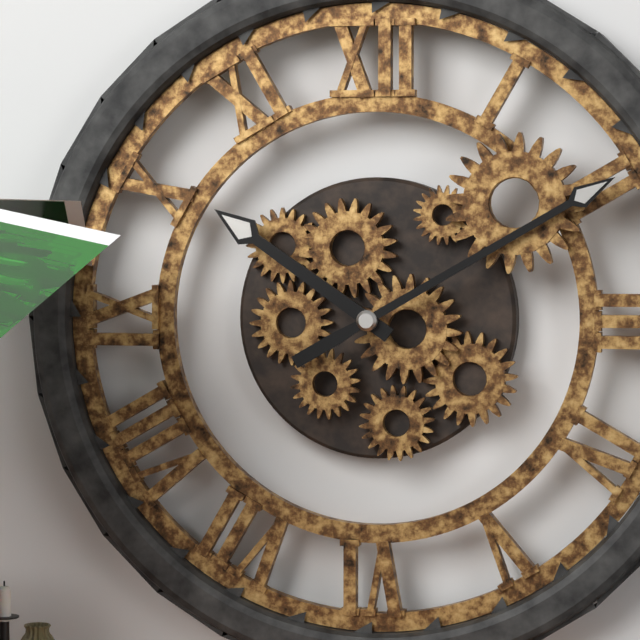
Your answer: **10:10**
